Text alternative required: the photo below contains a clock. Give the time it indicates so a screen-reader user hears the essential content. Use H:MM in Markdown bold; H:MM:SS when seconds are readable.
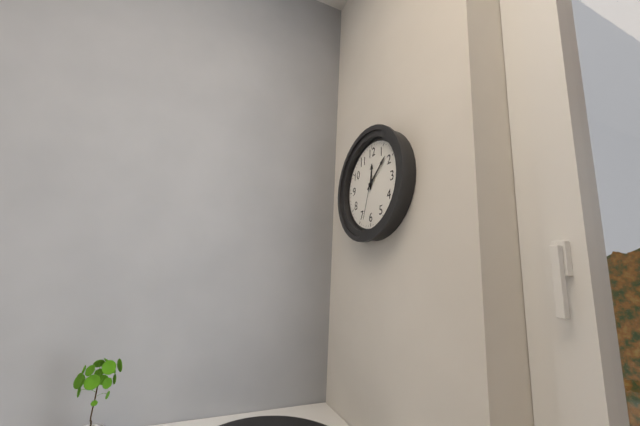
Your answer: **12:08**
